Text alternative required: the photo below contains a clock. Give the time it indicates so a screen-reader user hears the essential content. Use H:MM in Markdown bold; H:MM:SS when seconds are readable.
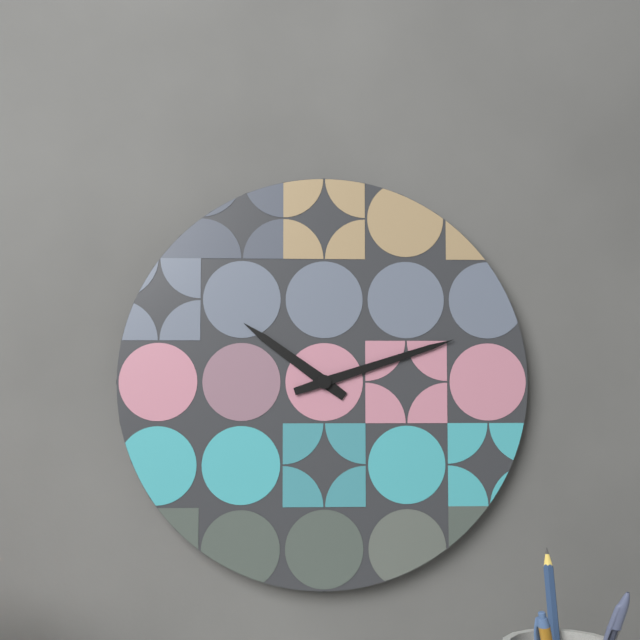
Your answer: **10:12**
